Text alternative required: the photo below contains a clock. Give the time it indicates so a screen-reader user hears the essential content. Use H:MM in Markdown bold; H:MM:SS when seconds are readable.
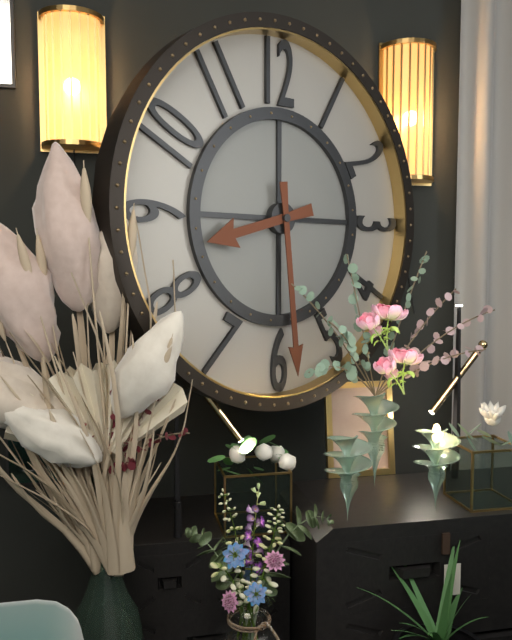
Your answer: **8:29**
